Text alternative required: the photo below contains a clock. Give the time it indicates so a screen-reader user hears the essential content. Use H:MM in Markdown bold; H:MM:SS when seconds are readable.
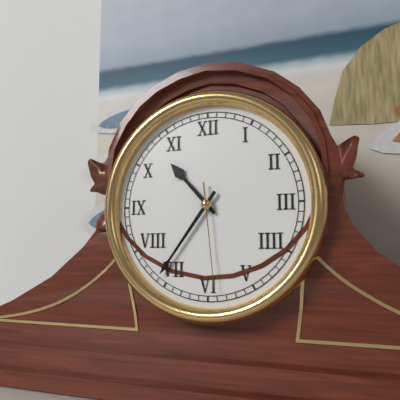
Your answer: **10:36:29**
